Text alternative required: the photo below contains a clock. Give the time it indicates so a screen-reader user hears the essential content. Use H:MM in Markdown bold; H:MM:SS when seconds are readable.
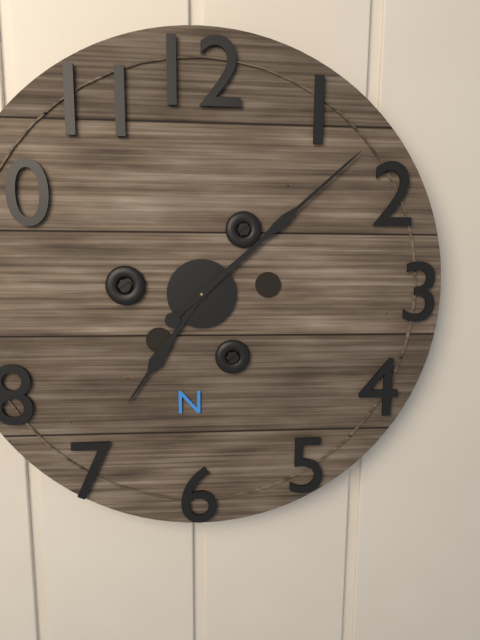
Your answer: **7:08**
